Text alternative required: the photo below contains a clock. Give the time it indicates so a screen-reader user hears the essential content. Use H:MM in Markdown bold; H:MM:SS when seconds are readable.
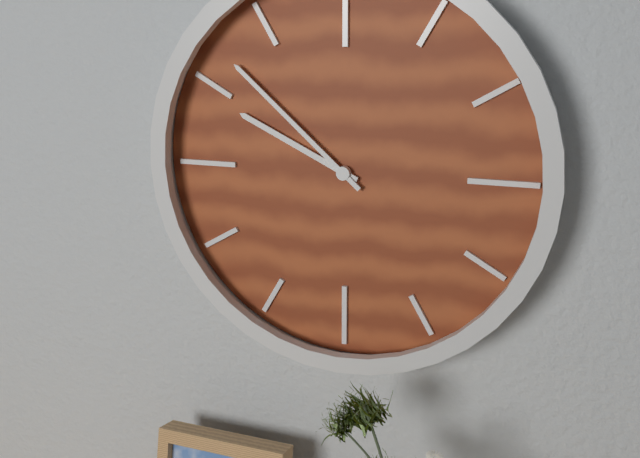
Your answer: **9:52**
